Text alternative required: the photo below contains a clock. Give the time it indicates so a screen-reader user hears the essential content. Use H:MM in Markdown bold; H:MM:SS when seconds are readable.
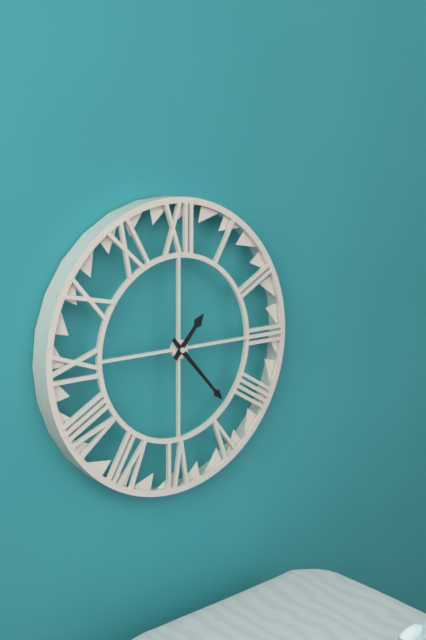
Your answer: **1:23**
